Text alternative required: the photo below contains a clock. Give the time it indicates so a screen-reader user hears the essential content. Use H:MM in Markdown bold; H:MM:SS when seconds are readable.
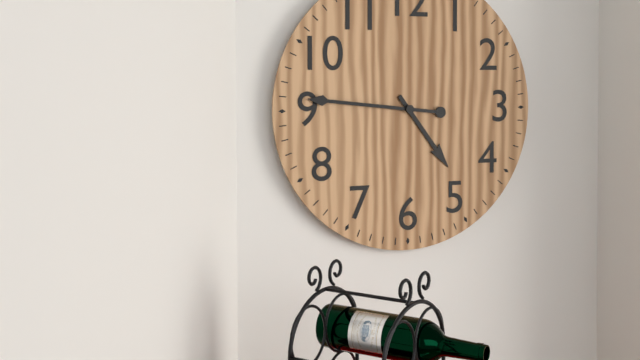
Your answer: **4:46**
